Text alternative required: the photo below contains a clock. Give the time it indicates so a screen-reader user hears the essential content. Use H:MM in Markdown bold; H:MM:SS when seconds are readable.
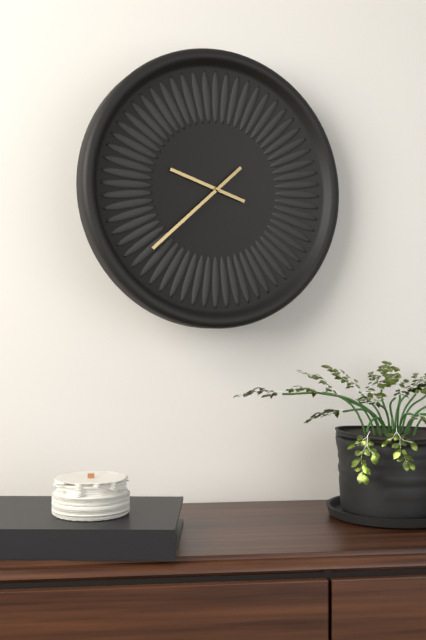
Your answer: **9:38**
